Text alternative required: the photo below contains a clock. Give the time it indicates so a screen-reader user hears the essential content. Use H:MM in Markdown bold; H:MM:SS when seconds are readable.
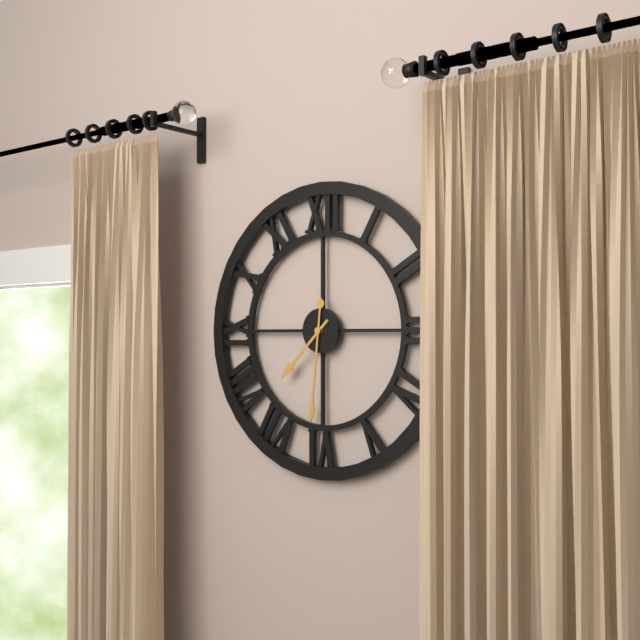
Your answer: **7:31**
